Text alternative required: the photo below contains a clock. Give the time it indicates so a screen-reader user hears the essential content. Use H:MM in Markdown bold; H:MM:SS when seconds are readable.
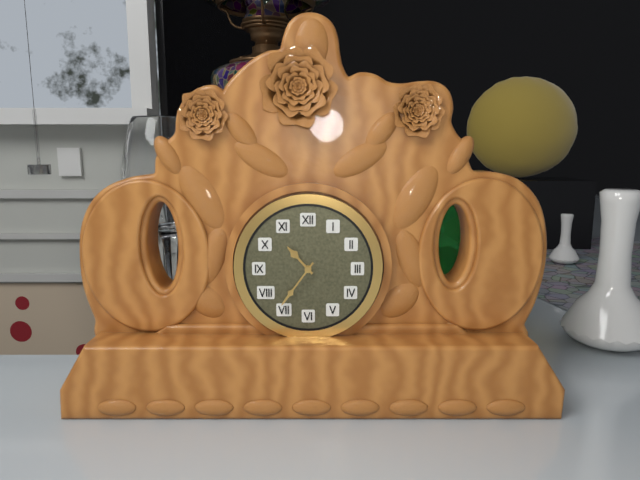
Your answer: **10:36**
